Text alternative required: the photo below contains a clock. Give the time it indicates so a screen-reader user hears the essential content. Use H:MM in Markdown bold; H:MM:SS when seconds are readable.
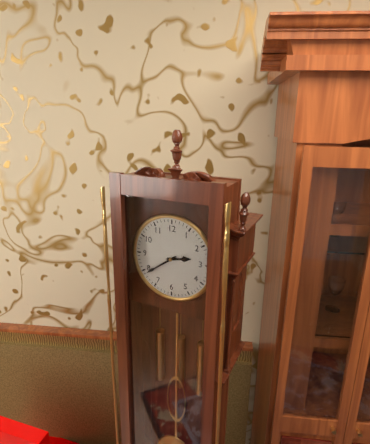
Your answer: **2:39**
